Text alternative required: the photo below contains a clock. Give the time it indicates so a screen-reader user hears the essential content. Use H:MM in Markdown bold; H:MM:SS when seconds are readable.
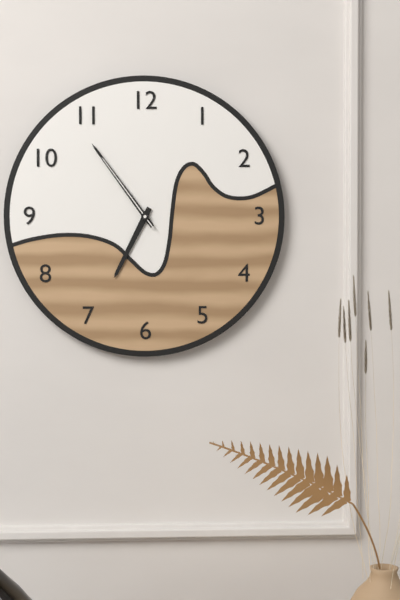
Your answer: **6:54:54**
